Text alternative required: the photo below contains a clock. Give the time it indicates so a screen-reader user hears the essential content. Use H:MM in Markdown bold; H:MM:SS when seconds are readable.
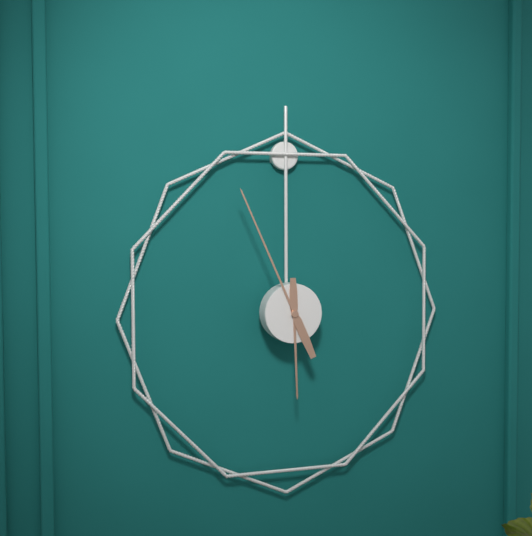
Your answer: **5:56**
